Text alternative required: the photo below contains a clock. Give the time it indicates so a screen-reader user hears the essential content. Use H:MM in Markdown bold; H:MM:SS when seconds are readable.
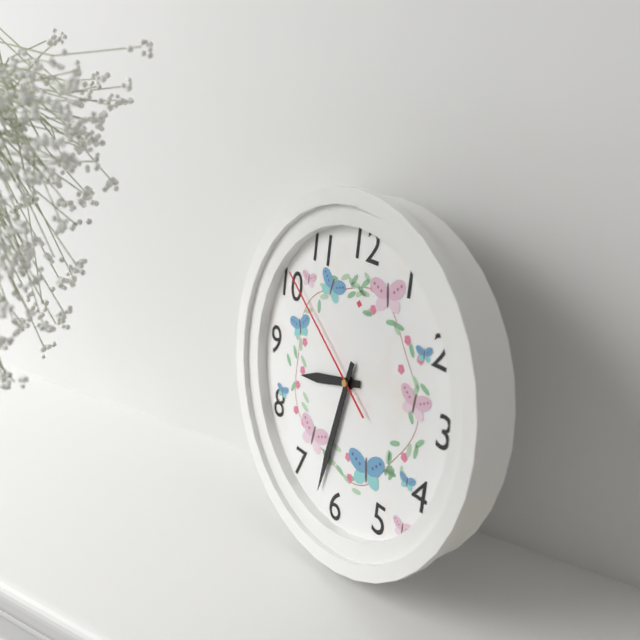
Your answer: **8:32:51**
